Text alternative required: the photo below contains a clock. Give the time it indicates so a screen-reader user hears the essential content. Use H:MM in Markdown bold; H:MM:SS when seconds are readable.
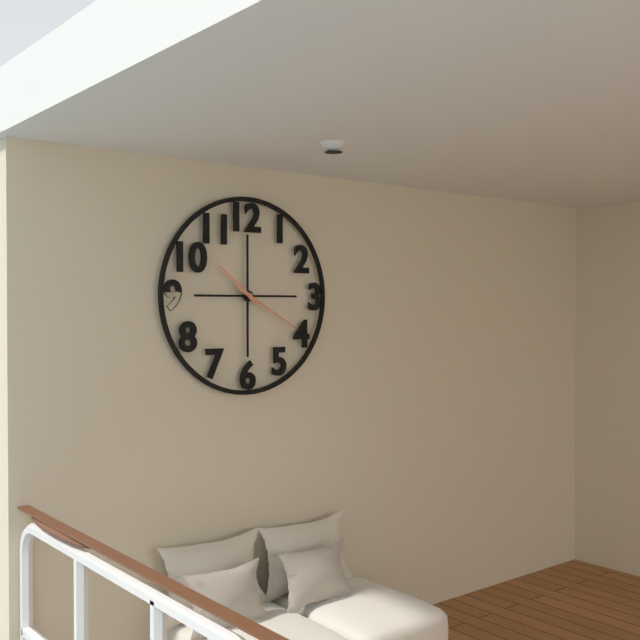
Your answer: **10:20**
